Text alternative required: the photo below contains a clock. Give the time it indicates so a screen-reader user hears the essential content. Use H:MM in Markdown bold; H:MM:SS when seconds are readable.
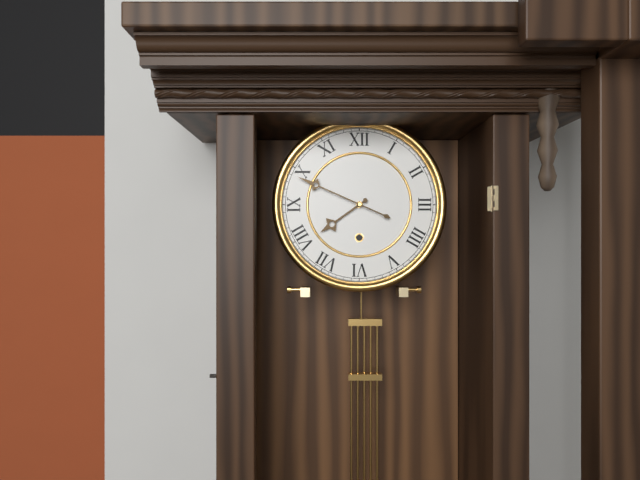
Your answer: **7:49**
